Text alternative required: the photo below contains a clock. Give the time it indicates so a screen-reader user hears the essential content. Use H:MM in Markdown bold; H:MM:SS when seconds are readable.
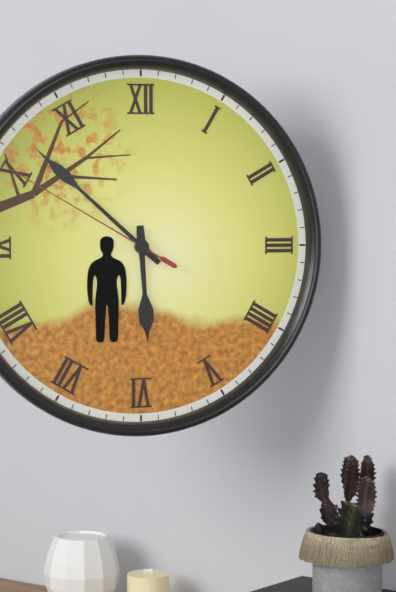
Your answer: **5:52:50**
